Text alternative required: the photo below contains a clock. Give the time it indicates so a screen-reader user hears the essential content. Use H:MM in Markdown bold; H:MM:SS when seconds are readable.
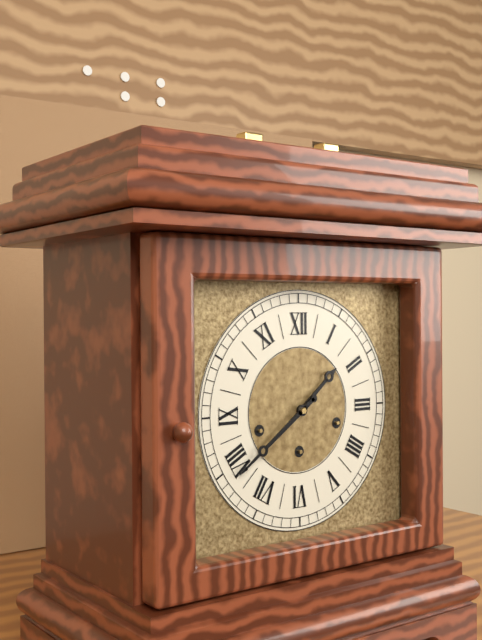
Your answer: **1:39**
